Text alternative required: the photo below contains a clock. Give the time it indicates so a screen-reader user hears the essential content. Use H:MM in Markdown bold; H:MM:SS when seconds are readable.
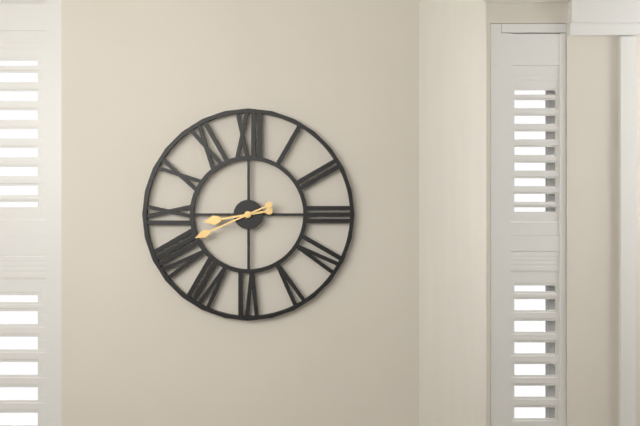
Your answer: **8:41**
